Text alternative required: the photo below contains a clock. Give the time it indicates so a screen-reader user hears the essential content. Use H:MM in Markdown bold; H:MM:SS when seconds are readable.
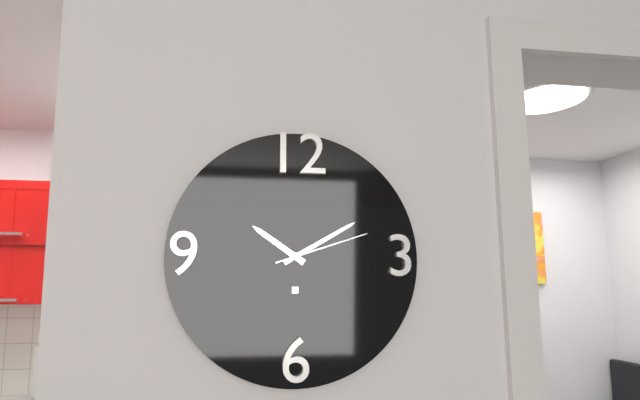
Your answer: **10:10:12**
